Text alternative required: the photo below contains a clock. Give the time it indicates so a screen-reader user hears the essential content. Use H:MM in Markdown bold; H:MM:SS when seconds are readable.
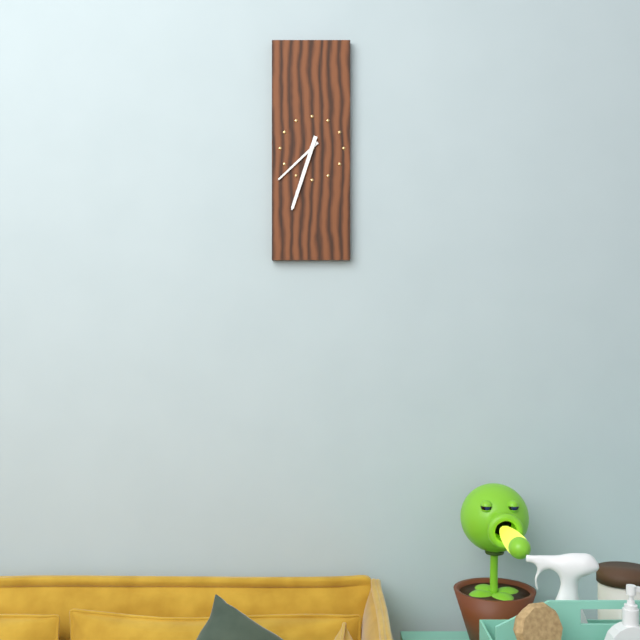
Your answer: **7:33**
